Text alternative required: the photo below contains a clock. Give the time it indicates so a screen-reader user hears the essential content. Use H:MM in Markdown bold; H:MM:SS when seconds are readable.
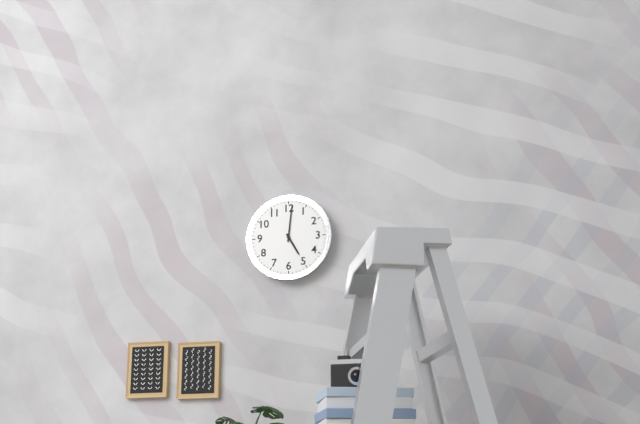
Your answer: **5:01**
